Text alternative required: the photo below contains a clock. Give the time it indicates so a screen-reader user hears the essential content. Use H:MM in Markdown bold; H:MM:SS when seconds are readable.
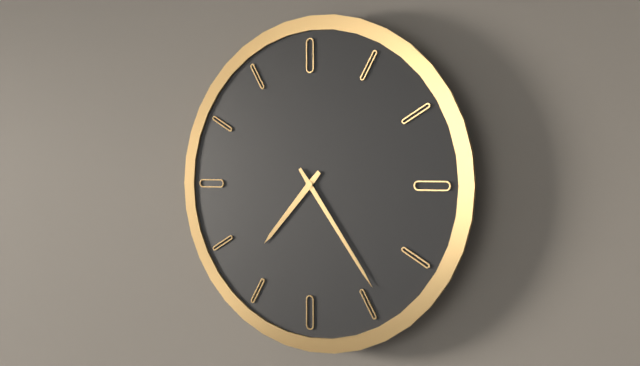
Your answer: **7:24**
